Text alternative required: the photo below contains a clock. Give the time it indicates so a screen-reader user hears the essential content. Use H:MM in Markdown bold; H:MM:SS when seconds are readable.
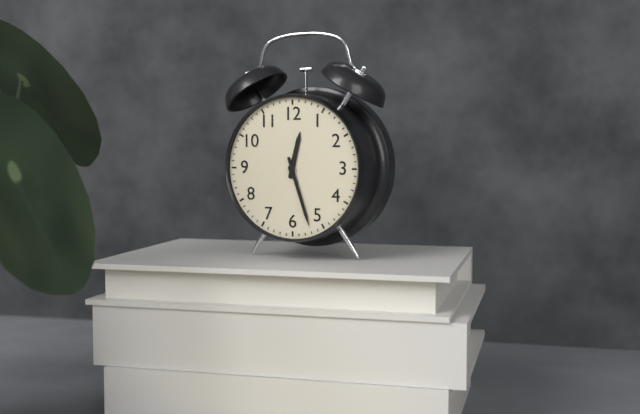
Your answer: **12:27**
